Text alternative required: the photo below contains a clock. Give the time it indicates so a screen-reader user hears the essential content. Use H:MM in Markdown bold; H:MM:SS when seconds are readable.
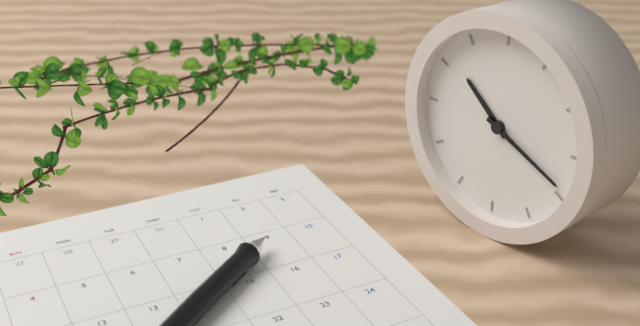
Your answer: **10:19**
